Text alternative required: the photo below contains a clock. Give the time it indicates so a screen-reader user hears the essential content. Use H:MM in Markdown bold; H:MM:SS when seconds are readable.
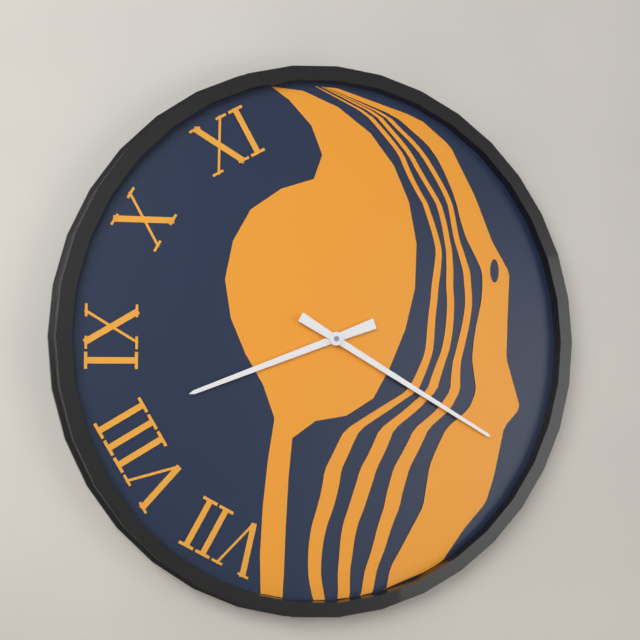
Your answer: **8:20**
